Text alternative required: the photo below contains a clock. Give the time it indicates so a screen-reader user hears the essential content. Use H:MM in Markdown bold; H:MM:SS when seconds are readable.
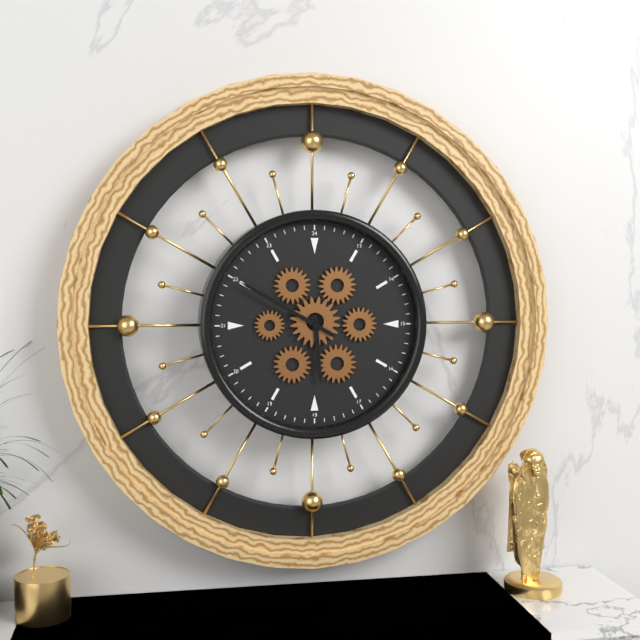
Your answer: **5:50**
